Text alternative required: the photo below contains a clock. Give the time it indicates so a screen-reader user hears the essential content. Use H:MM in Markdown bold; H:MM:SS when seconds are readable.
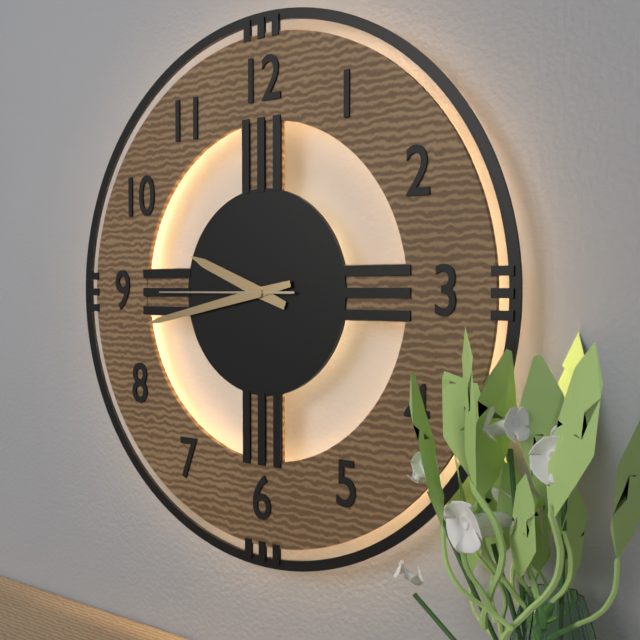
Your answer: **9:43:45**
